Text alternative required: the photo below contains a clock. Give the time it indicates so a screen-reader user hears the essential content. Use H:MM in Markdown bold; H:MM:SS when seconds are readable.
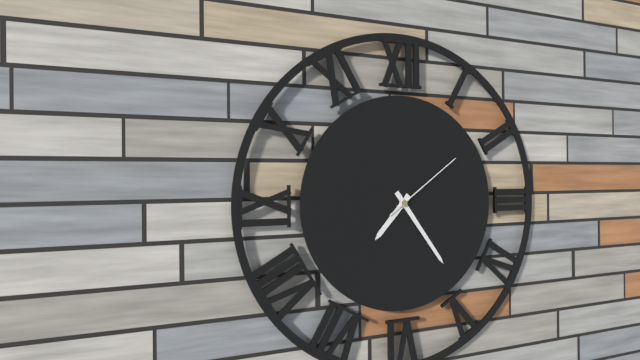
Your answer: **7:24:09**
